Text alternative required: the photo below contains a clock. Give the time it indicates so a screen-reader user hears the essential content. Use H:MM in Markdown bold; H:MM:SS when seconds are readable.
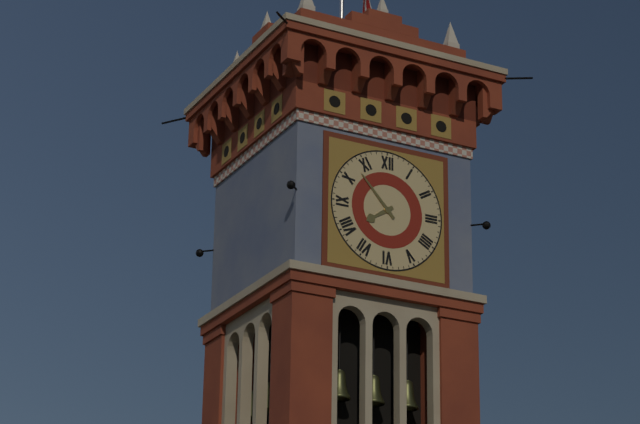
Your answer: **7:53**
